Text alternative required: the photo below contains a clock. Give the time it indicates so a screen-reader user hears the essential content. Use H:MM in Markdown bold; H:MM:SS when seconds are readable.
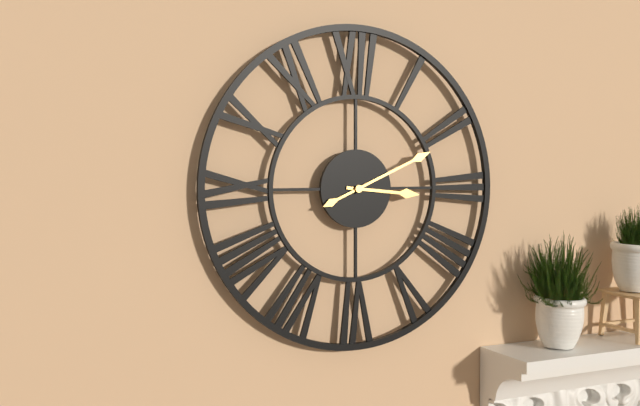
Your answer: **3:11**
